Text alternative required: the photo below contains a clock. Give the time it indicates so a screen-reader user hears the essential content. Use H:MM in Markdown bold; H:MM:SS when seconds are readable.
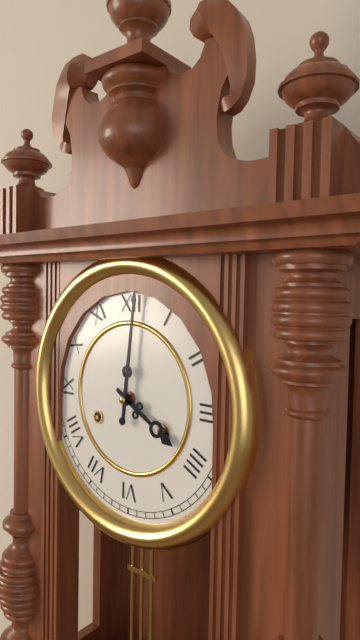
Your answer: **4:01**
